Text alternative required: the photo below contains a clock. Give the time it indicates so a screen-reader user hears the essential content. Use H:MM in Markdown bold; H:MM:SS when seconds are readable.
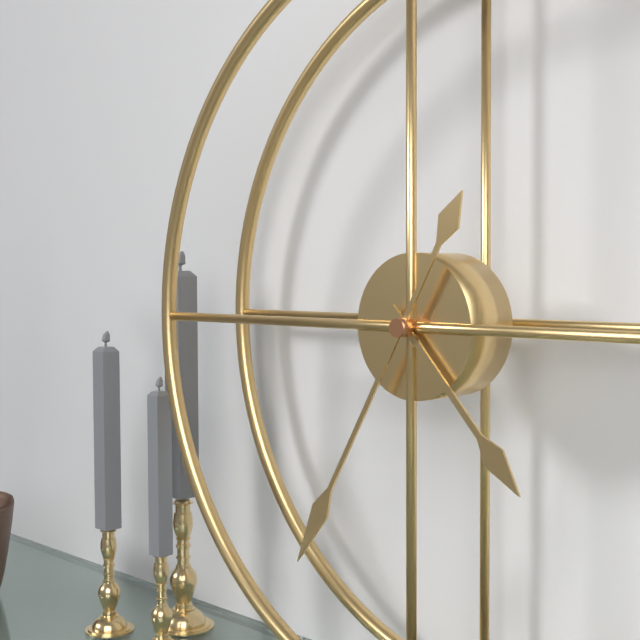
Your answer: **4:35**
